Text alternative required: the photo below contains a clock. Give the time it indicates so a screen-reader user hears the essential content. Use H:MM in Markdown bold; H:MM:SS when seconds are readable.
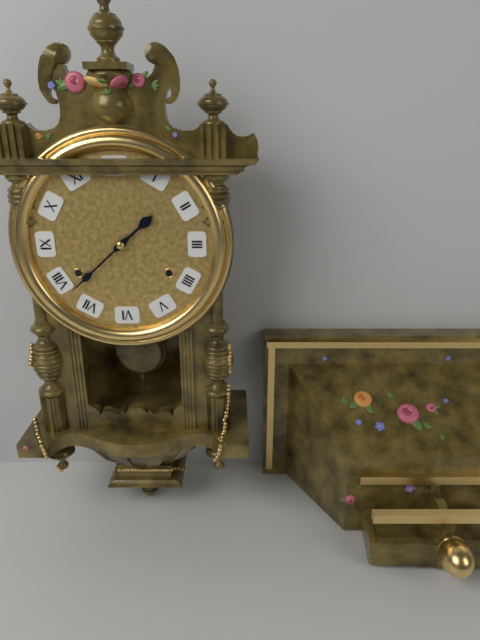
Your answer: **1:38**
